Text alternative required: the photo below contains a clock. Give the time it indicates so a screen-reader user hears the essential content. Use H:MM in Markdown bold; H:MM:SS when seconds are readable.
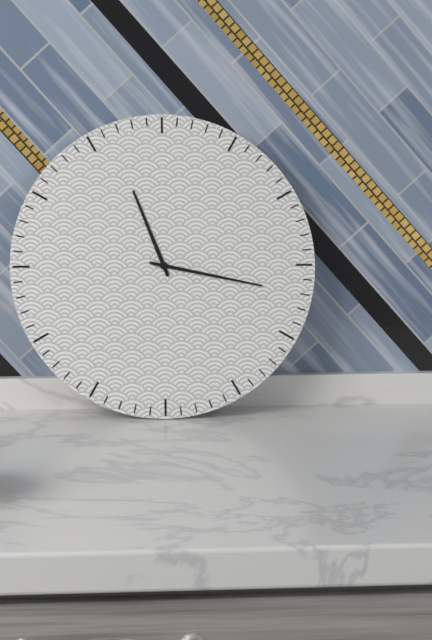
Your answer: **11:17**
